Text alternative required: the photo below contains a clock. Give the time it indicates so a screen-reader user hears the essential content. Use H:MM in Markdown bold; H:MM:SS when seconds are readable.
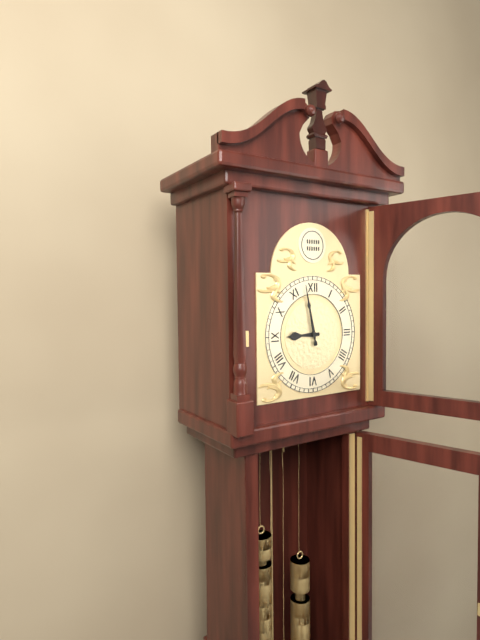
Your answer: **8:58**
